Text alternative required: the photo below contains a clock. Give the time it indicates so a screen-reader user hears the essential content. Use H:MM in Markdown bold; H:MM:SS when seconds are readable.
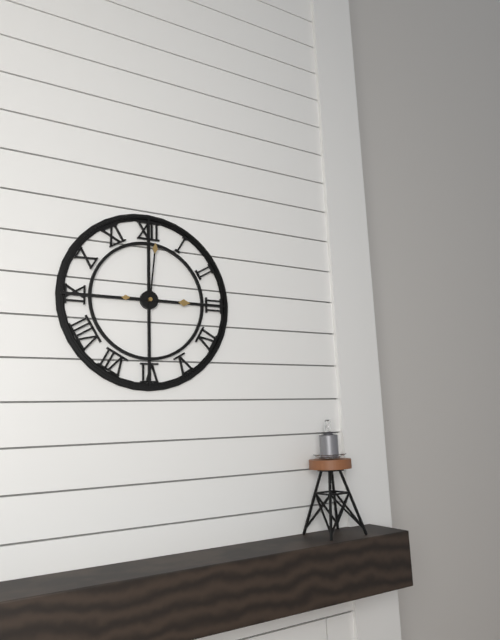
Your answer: **3:01**
